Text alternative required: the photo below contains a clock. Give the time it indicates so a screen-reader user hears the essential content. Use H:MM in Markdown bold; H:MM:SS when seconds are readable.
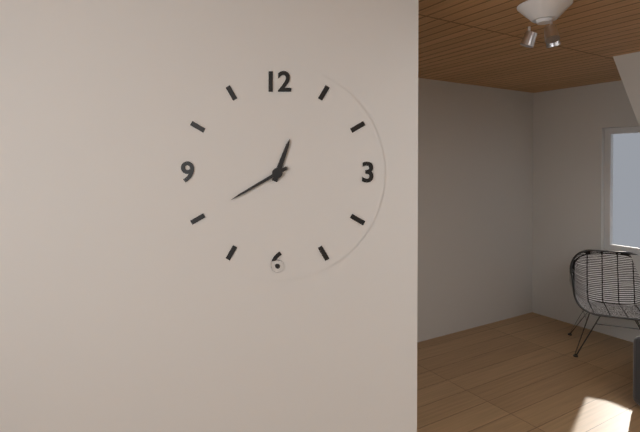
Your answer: **12:40**
